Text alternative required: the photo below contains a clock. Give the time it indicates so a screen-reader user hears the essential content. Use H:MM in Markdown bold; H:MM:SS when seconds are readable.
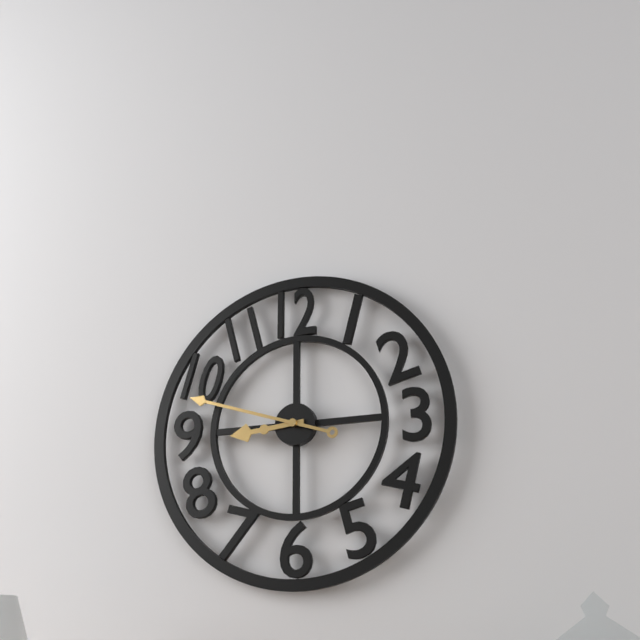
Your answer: **8:48**
